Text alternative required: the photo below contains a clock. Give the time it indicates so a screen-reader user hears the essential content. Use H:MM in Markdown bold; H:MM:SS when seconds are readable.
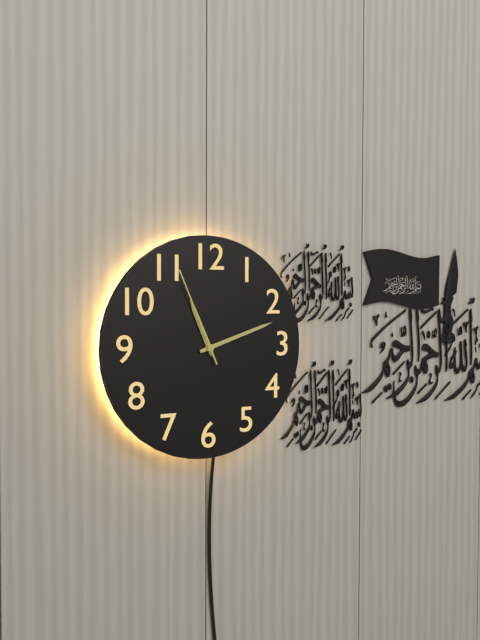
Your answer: **11:12:56**
